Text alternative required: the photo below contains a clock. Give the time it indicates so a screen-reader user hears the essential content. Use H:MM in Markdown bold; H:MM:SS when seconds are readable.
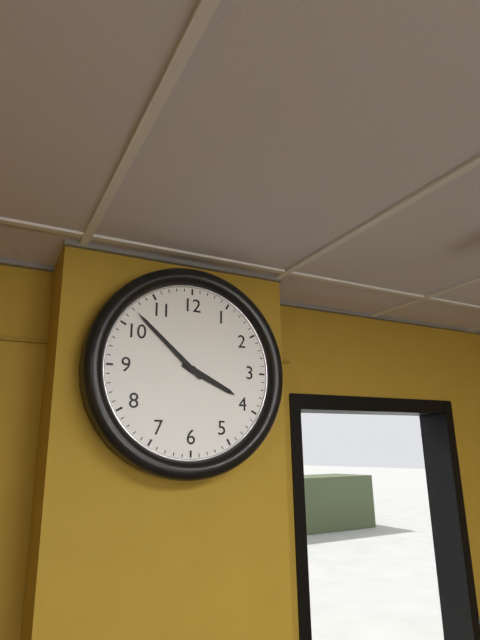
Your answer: **3:52**
